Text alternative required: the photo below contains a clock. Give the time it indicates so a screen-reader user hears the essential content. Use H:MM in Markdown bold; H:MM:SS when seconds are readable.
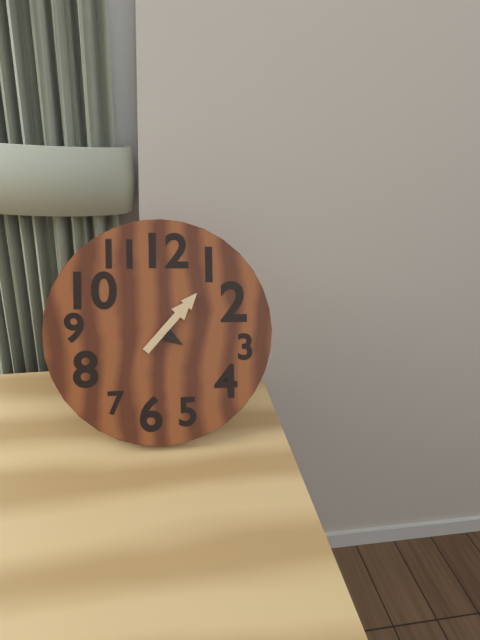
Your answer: **4:07**
